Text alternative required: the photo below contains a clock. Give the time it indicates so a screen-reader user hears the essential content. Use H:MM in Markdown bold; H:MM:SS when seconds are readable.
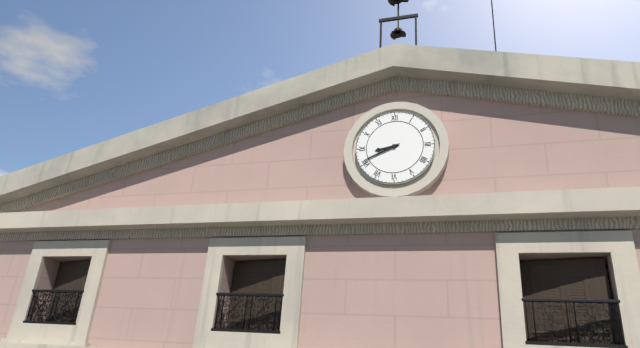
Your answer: **8:41**
